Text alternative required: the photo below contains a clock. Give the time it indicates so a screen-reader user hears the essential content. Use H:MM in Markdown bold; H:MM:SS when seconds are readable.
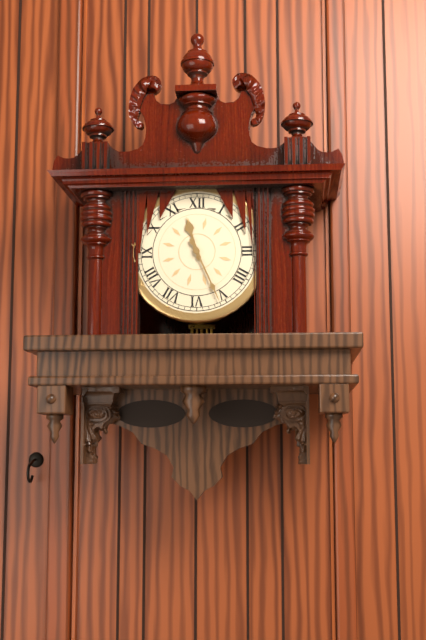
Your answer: **11:26**
